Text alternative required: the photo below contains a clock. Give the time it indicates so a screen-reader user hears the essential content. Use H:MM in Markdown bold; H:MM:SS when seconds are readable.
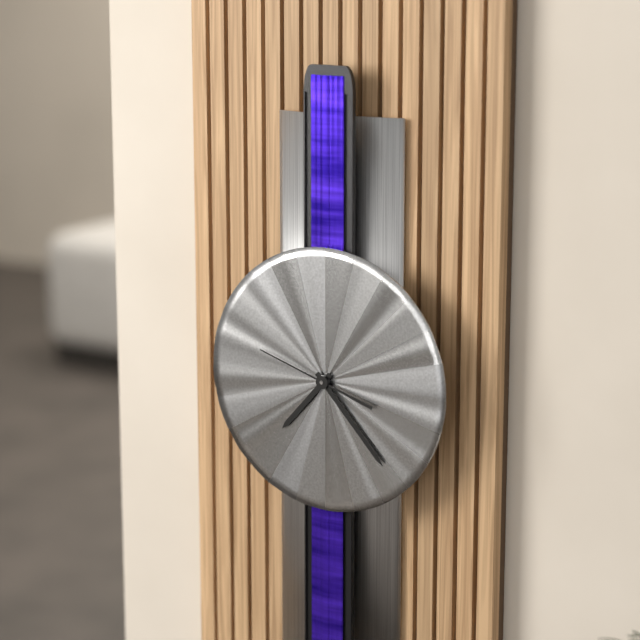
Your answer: **7:23:48**
